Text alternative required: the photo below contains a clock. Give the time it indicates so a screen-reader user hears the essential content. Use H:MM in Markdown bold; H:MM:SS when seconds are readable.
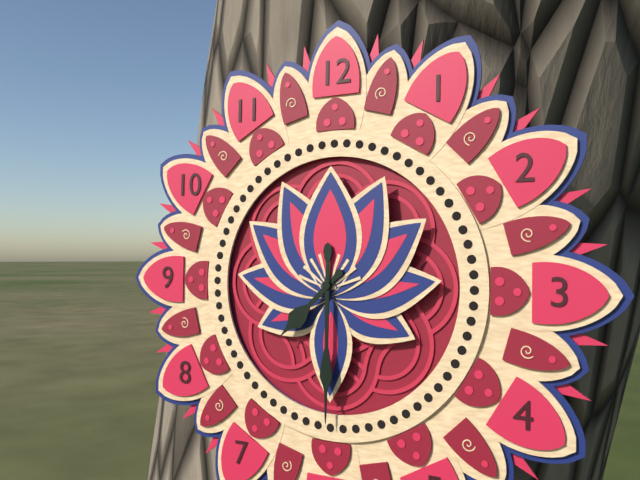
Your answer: **7:30**
